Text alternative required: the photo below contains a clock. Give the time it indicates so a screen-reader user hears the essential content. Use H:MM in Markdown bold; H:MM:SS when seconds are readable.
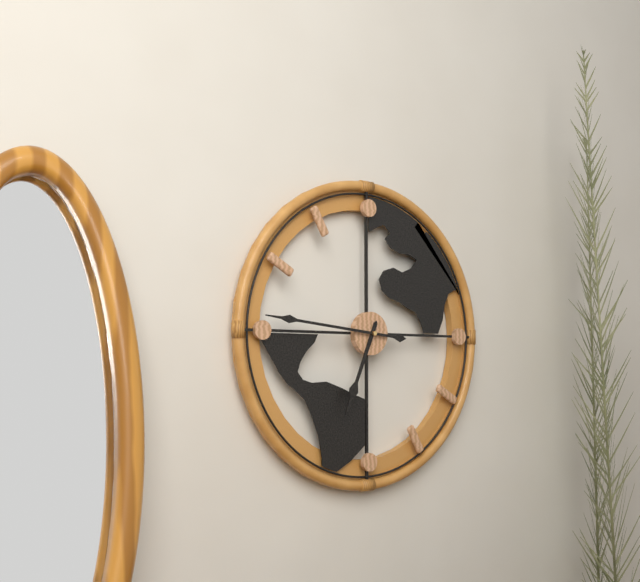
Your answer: **6:46**
